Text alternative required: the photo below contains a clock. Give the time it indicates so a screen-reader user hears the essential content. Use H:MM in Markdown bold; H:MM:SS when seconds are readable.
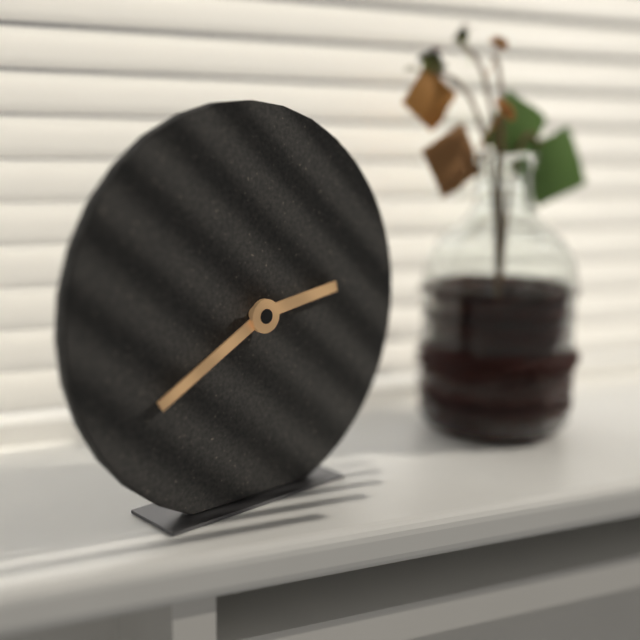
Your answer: **2:40**
